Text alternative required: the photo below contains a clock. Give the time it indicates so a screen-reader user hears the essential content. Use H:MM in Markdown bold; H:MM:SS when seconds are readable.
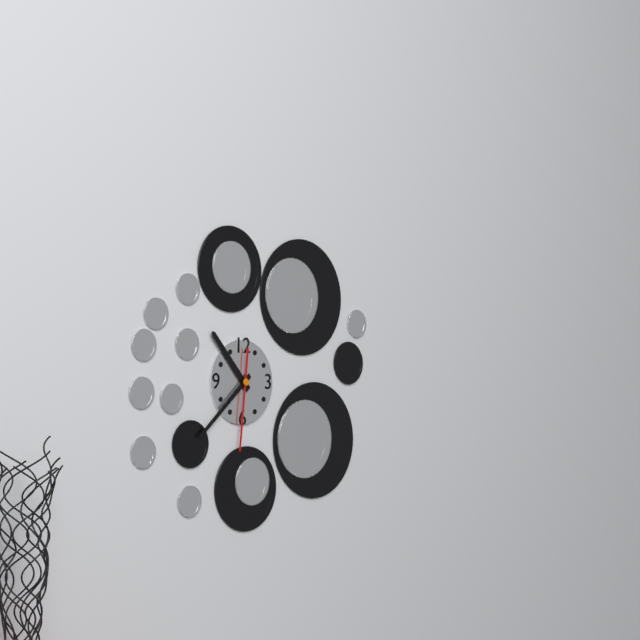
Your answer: **10:38:31**
